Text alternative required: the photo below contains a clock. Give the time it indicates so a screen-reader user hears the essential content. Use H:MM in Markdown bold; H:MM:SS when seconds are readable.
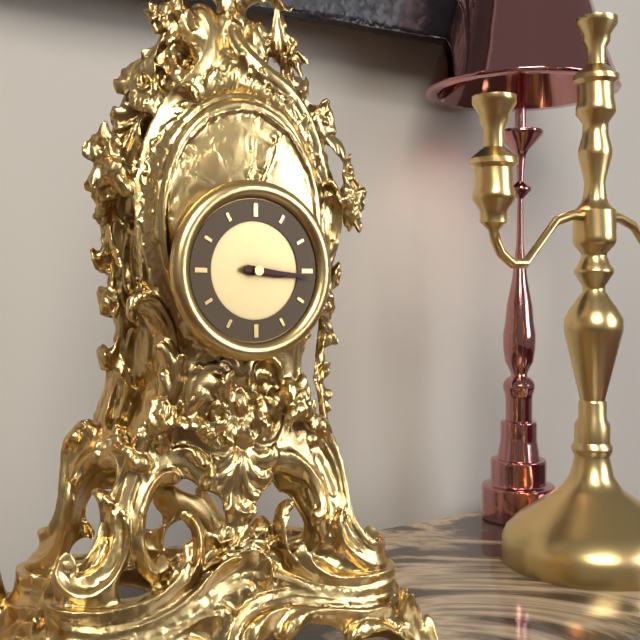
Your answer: **3:16**
